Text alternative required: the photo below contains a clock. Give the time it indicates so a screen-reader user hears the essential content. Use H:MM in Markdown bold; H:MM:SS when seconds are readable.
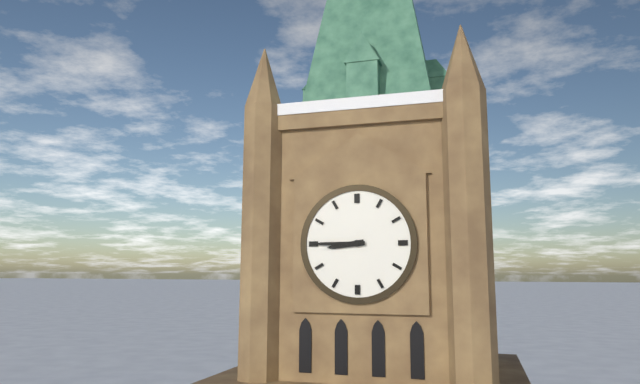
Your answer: **8:45**
